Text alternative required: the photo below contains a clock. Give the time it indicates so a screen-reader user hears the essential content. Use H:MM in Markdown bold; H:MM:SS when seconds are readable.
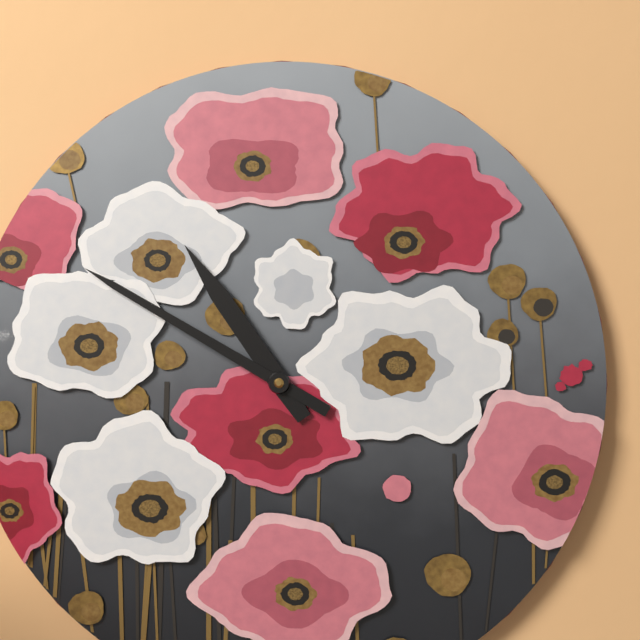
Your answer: **10:50**
